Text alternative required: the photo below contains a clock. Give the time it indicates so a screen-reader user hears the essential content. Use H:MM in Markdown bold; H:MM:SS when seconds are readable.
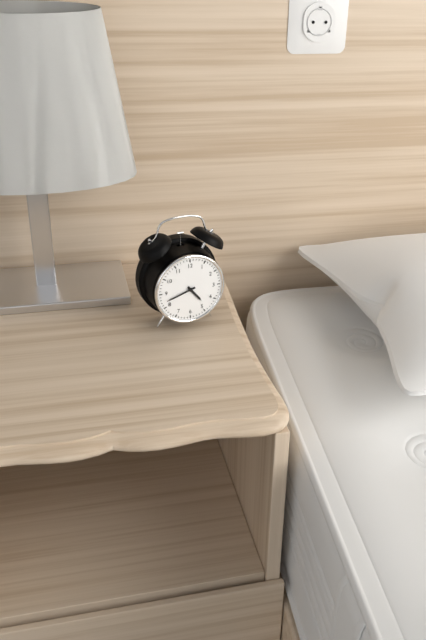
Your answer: **4:42**
